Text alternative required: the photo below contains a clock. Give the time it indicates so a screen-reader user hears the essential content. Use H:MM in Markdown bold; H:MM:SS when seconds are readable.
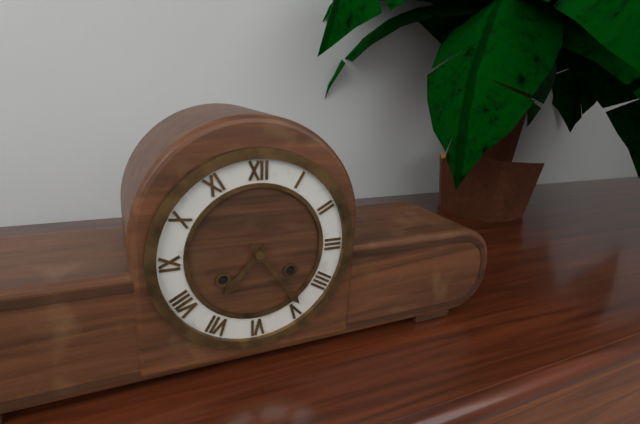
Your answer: **7:24**
